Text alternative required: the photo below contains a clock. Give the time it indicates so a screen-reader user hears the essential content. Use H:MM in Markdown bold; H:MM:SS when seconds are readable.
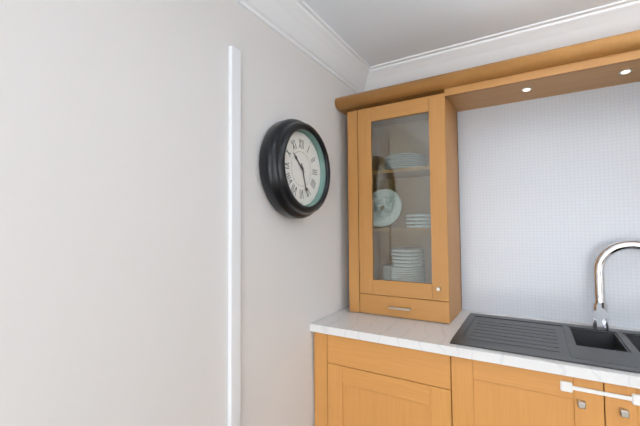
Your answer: **10:27**
